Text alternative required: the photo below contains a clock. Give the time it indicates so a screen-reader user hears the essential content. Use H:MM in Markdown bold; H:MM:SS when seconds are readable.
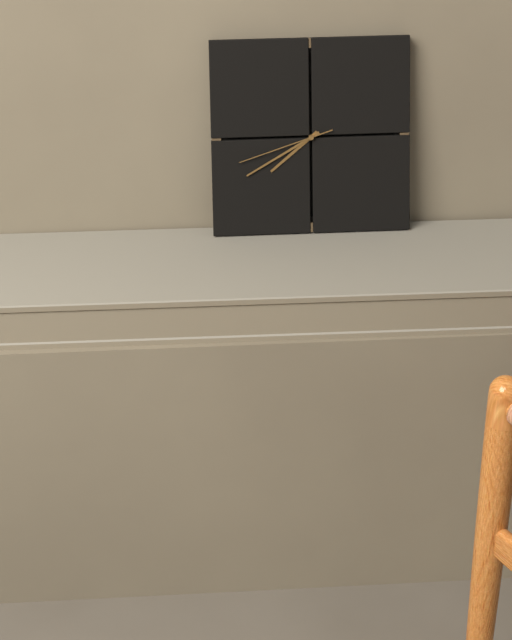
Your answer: **7:40:42**
